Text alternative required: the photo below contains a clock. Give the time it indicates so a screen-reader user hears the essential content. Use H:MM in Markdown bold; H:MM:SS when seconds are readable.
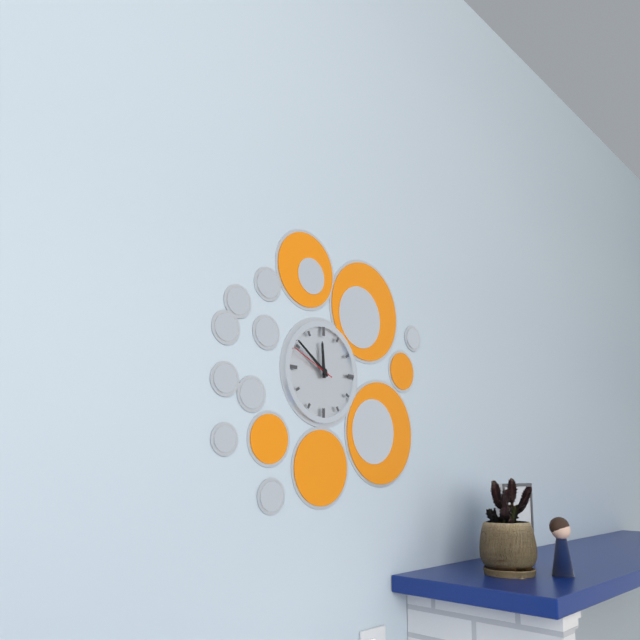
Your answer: **11:51**
